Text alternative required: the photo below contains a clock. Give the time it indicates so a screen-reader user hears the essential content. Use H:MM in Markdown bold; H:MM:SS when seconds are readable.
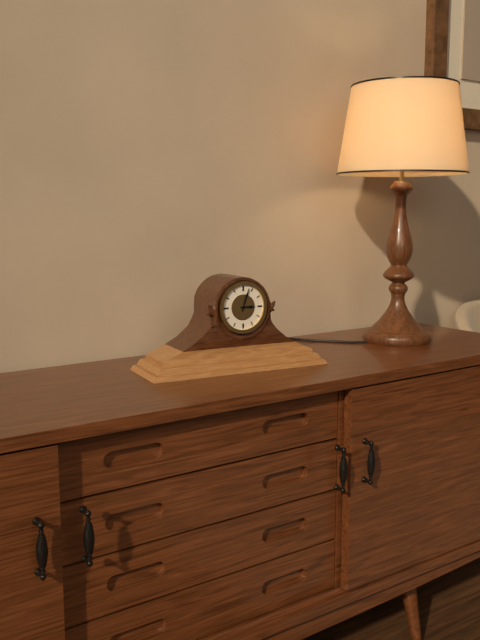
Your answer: **3:03**
